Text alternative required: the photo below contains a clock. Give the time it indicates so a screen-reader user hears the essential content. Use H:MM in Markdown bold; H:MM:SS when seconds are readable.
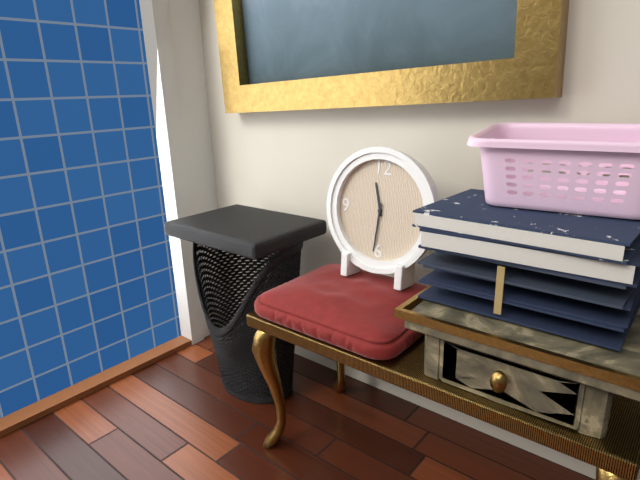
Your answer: **11:31**
